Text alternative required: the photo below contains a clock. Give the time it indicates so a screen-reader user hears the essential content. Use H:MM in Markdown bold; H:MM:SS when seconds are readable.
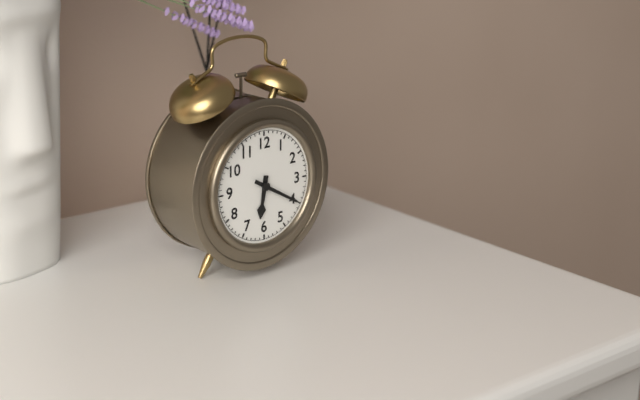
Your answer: **6:20**
